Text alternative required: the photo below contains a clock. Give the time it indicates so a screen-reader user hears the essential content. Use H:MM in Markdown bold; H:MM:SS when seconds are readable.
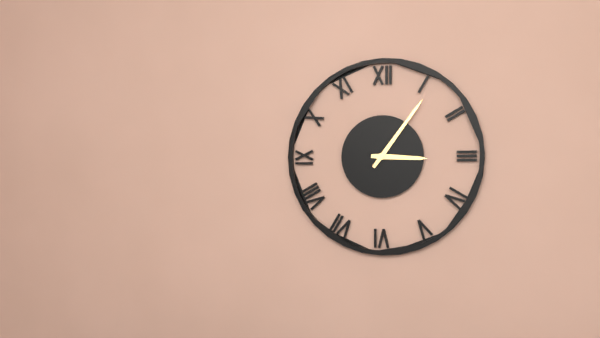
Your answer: **3:06**
